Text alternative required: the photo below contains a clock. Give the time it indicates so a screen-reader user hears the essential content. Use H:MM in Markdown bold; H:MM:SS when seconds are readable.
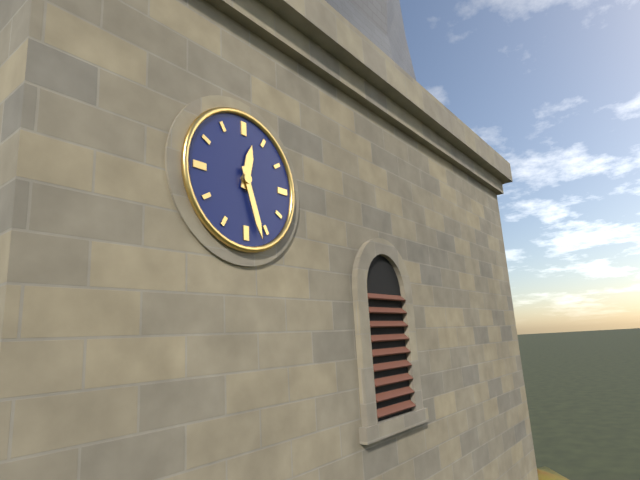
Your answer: **12:27**
